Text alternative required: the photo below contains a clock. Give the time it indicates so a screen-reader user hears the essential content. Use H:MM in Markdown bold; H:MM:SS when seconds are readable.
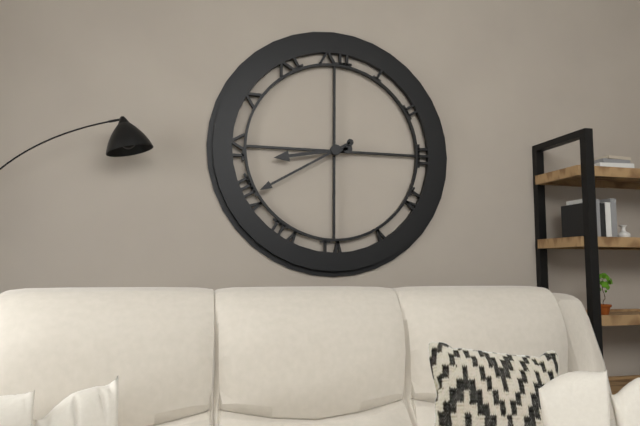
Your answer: **8:40**
